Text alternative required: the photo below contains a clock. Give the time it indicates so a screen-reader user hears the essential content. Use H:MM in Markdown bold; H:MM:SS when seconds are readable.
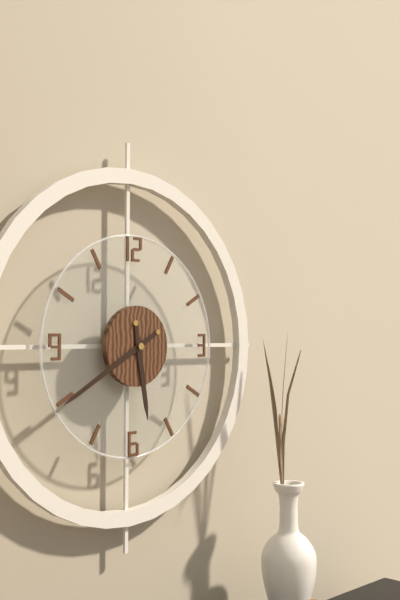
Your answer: **5:40**
